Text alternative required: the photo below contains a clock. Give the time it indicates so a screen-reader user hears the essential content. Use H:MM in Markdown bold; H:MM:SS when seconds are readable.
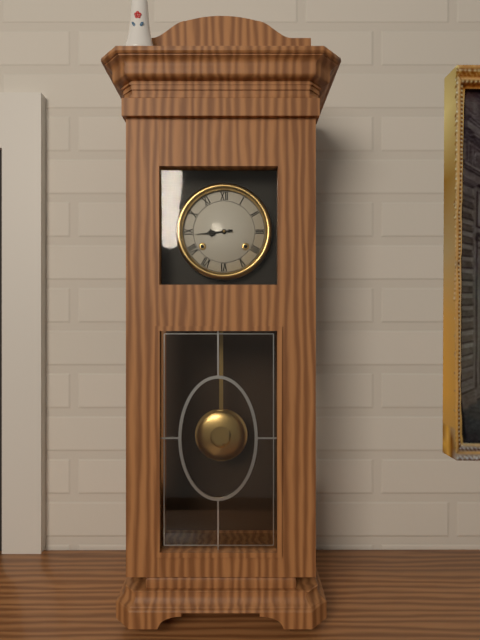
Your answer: **8:44**
